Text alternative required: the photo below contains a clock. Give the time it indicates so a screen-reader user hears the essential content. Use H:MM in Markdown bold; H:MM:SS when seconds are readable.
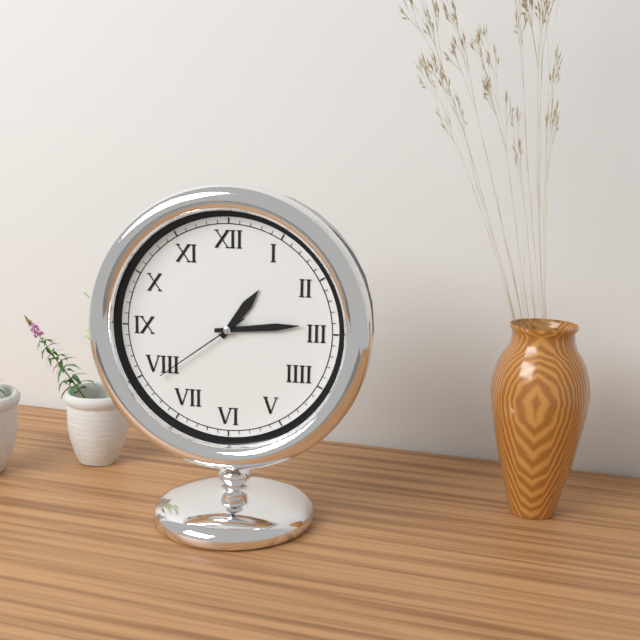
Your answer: **1:14:39**
